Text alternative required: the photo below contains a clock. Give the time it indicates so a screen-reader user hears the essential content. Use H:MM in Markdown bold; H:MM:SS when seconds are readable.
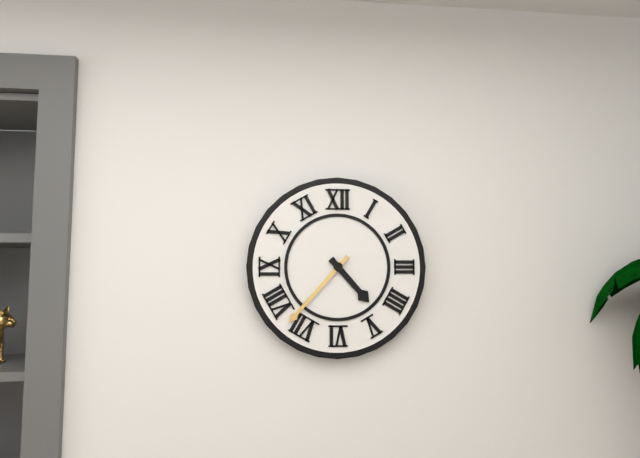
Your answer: **4:37**
